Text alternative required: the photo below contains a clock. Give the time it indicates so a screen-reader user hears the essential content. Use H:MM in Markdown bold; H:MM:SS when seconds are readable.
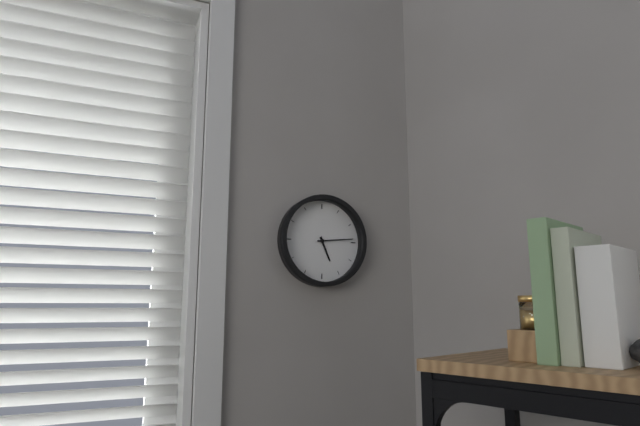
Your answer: **5:14**
